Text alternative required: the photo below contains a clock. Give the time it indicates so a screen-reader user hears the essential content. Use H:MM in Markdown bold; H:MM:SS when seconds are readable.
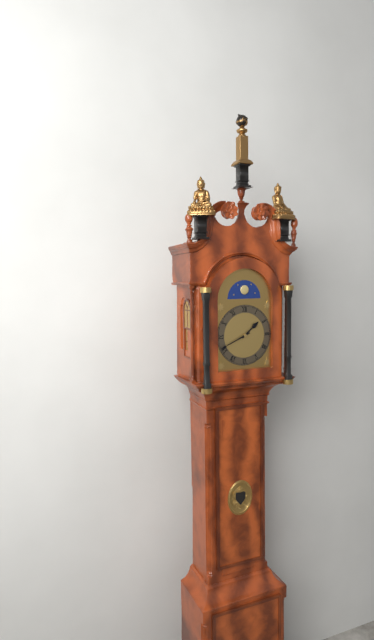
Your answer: **1:41**
